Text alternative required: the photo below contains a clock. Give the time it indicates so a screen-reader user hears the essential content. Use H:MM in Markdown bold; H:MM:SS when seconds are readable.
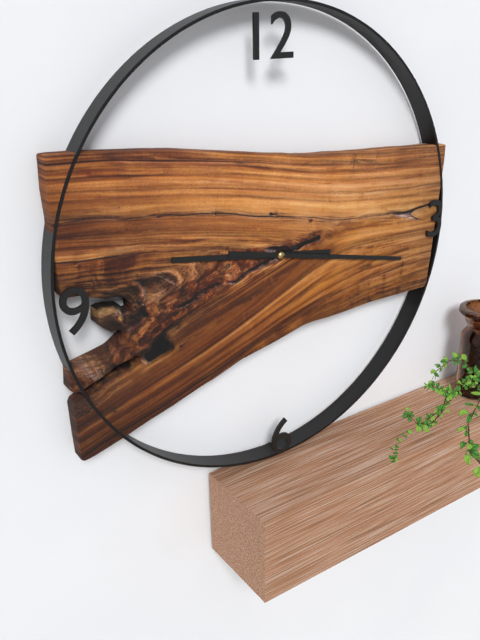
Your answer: **9:17**
